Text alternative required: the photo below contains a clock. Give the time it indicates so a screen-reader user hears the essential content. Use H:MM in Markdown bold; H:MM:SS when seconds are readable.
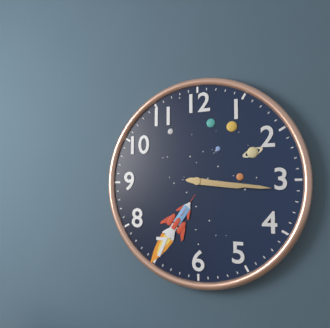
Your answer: **3:16**
